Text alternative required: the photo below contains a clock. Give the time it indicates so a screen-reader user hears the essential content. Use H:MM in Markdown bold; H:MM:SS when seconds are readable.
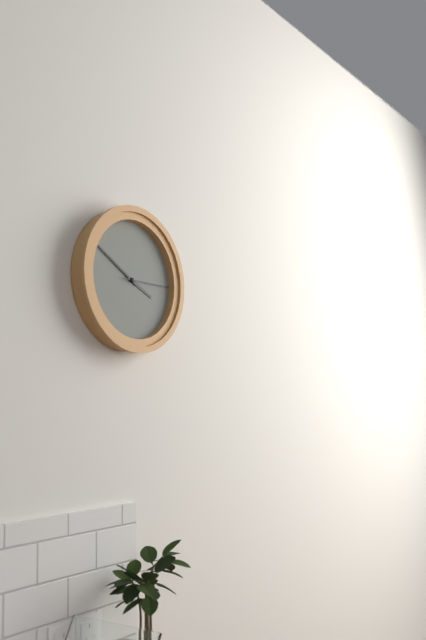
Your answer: **3:50**
